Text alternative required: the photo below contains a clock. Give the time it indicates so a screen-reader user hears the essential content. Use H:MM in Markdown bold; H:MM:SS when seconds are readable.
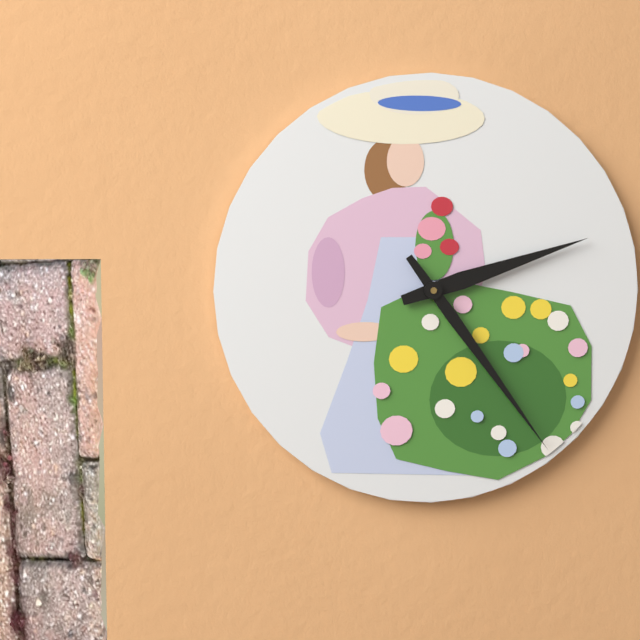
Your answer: **2:24**
